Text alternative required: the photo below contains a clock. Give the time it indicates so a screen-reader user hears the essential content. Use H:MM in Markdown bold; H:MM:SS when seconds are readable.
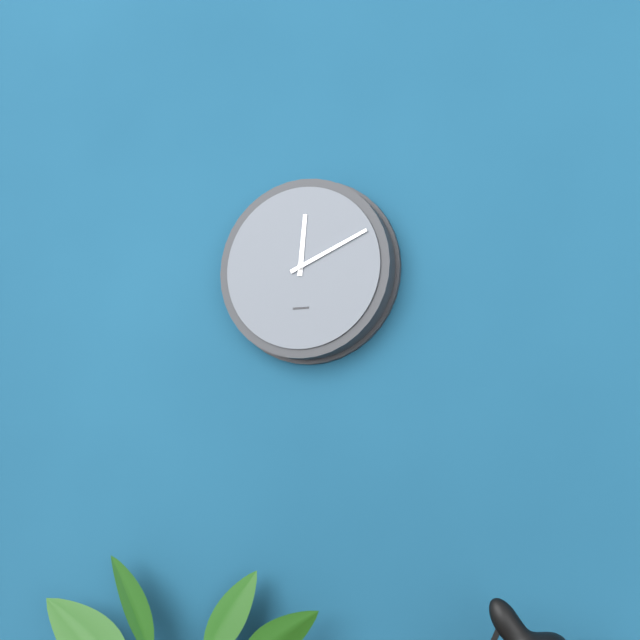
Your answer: **12:11**
